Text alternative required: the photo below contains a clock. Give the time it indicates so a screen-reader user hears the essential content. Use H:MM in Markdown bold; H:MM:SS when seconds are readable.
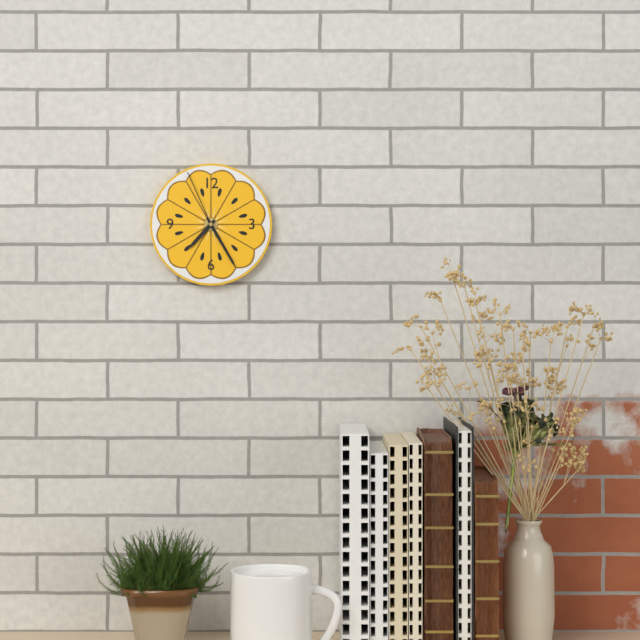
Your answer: **7:25:56**
